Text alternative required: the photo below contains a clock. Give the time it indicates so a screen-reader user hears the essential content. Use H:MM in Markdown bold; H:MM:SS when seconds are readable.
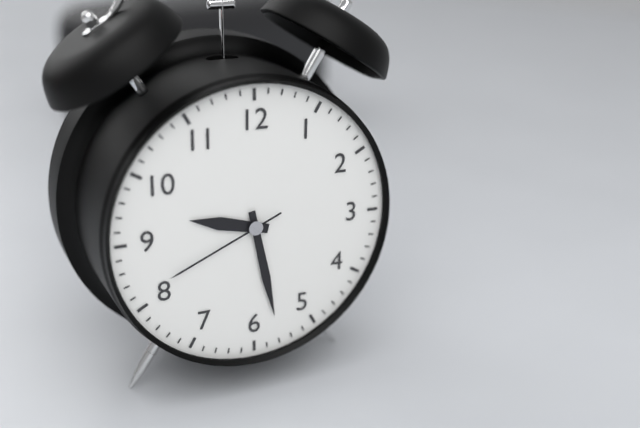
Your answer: **9:28:41**
